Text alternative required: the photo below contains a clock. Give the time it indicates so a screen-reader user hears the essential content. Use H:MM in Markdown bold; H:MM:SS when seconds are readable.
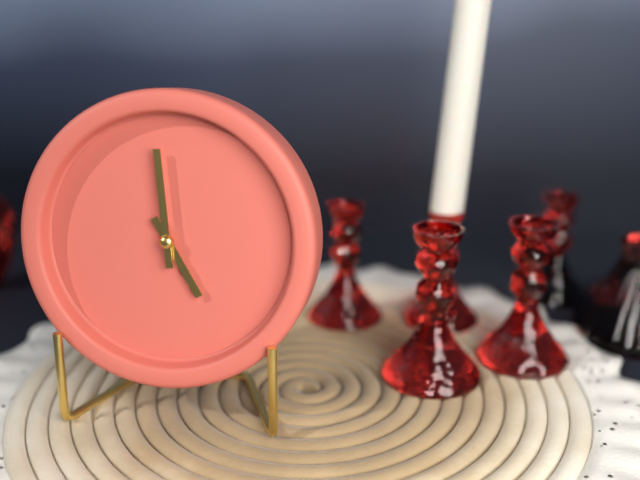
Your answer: **4:59**
